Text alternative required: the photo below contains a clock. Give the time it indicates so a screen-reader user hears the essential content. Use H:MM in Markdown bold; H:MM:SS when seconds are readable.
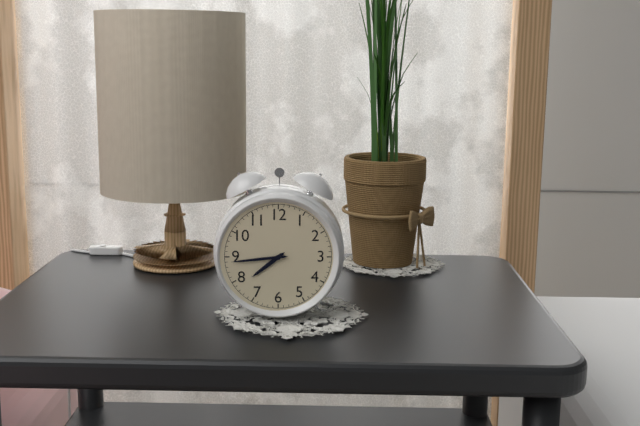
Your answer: **7:44**
